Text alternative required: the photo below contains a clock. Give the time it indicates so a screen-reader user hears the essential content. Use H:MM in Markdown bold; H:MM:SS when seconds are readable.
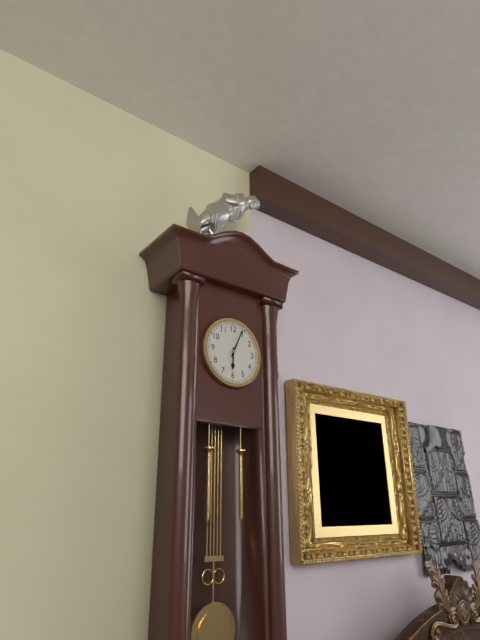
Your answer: **6:04**
